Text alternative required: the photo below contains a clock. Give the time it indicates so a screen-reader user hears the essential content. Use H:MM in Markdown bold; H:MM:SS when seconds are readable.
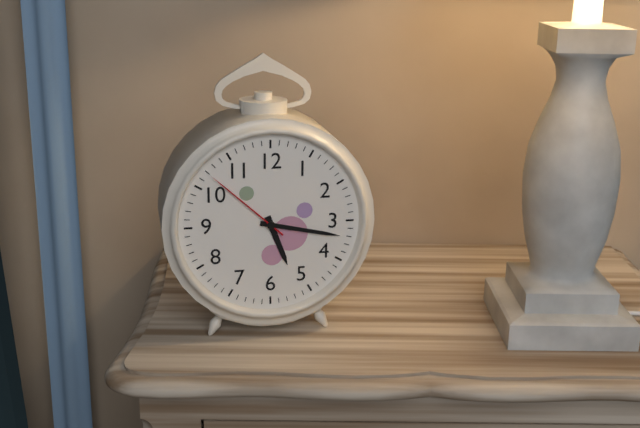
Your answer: **5:17:52**
